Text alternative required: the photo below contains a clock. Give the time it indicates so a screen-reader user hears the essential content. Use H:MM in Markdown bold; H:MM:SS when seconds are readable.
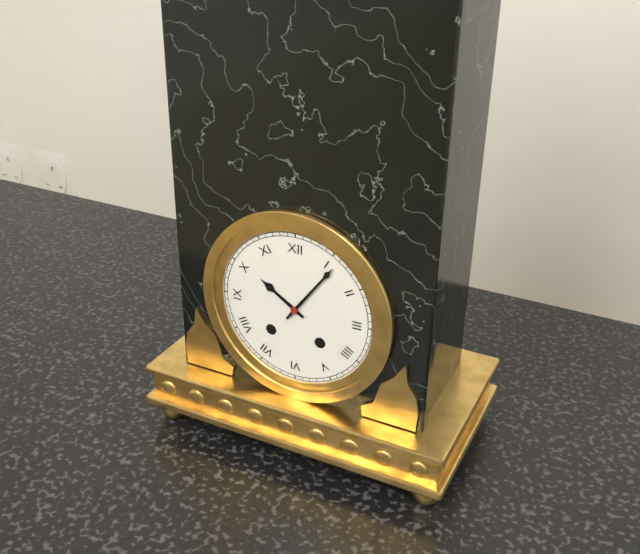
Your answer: **10:06**
